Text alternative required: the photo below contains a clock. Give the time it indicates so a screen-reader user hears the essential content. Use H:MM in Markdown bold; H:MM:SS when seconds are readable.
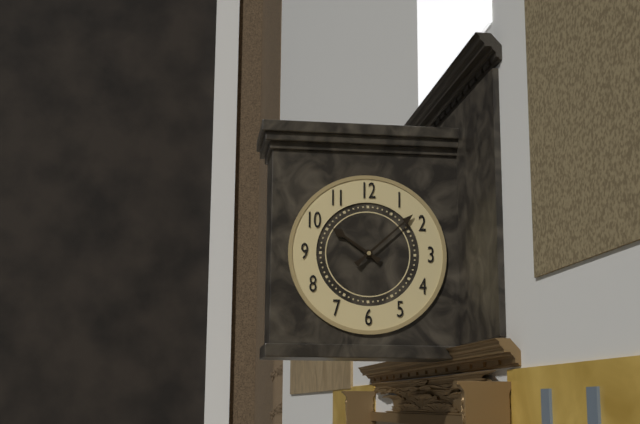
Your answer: **10:08**
